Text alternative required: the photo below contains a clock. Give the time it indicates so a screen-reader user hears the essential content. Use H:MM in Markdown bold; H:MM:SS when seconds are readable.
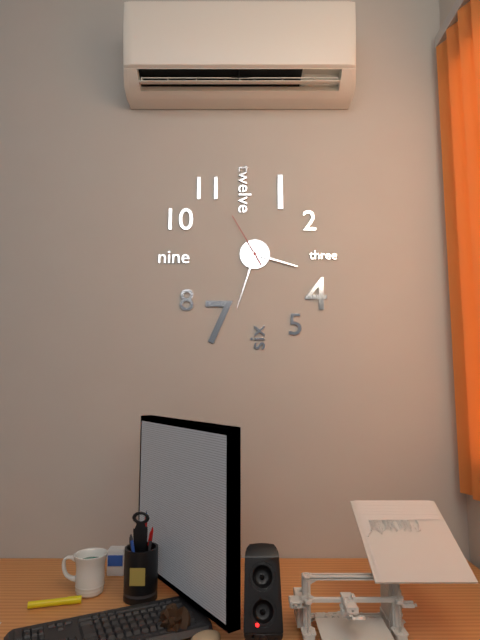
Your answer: **3:33:55**
